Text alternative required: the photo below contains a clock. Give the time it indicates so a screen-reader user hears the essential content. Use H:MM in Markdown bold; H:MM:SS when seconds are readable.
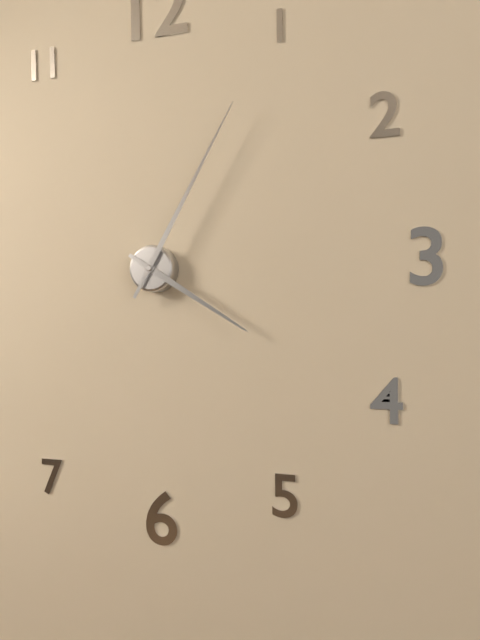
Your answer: **4:05**
